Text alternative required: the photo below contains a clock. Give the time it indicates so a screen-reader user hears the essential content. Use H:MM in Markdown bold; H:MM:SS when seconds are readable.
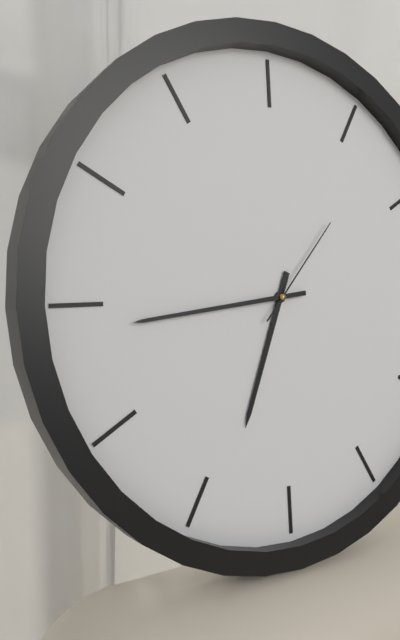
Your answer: **6:44:07**
